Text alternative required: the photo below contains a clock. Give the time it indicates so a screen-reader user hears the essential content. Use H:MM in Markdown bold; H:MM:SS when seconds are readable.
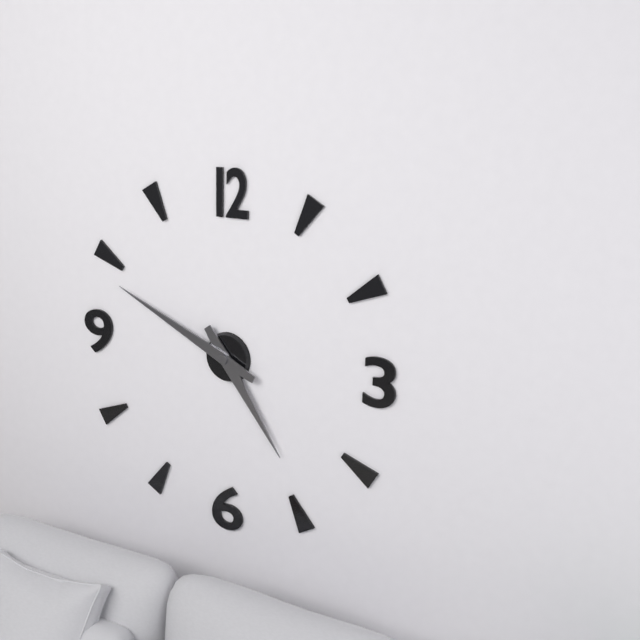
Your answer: **4:49**
